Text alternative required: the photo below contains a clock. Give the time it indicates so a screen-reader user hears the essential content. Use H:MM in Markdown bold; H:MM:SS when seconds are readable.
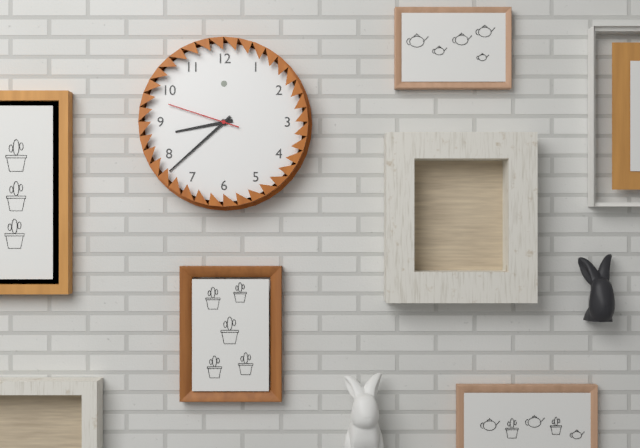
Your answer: **8:38:48**
